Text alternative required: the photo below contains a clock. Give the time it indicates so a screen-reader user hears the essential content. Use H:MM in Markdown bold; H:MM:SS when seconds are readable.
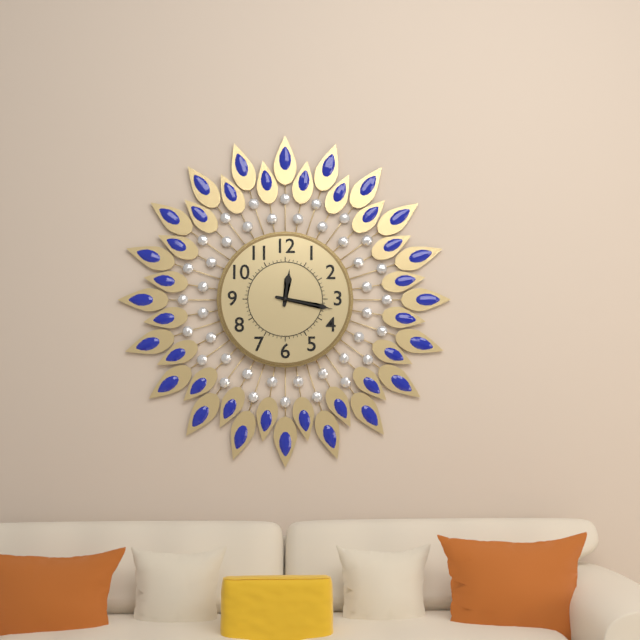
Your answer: **12:17**
